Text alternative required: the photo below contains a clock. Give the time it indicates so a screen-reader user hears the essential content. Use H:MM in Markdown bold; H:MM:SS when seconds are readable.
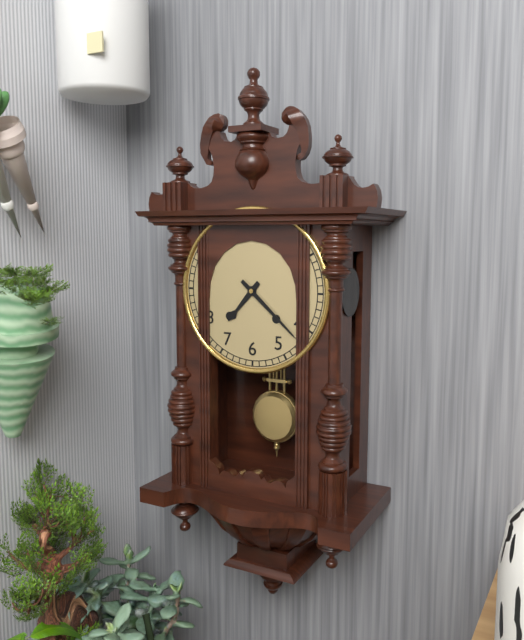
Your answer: **7:22**
